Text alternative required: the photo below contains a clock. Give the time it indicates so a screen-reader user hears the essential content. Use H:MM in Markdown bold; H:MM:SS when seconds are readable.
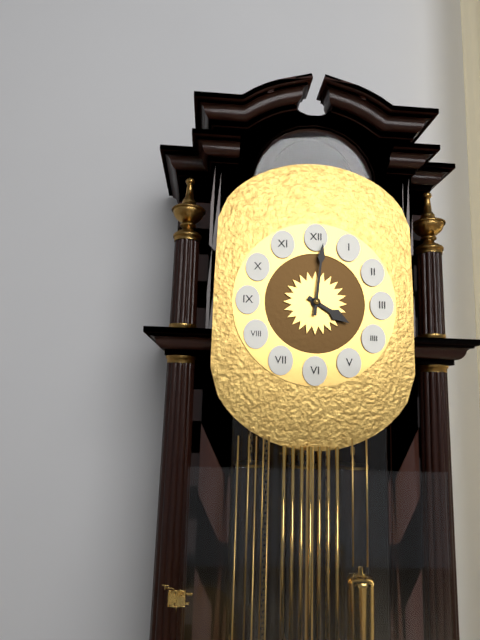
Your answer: **4:01**
